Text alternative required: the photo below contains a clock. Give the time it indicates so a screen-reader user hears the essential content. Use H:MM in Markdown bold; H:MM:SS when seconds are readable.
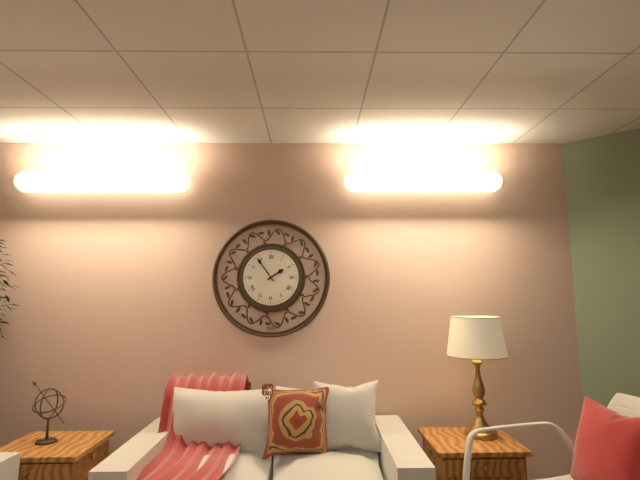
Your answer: **1:54**
